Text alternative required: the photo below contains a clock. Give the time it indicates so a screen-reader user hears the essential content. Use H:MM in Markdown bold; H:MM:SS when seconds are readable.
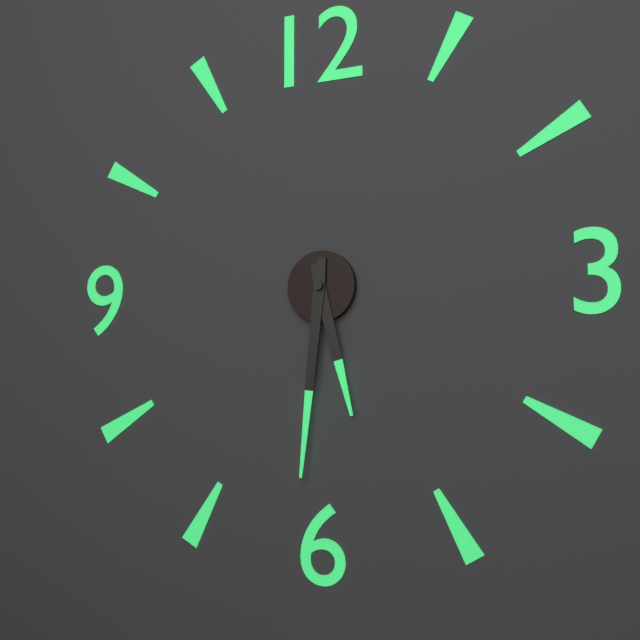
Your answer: **5:31**
